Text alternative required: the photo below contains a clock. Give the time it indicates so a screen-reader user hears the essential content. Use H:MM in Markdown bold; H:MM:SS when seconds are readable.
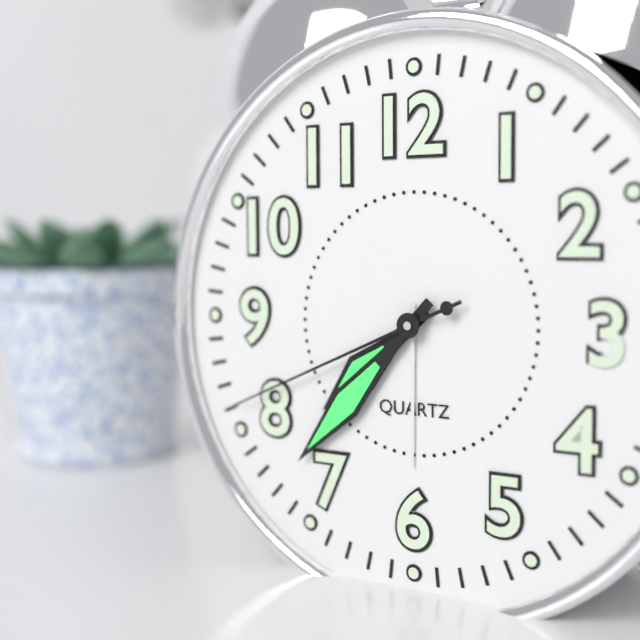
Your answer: **7:37:41**
